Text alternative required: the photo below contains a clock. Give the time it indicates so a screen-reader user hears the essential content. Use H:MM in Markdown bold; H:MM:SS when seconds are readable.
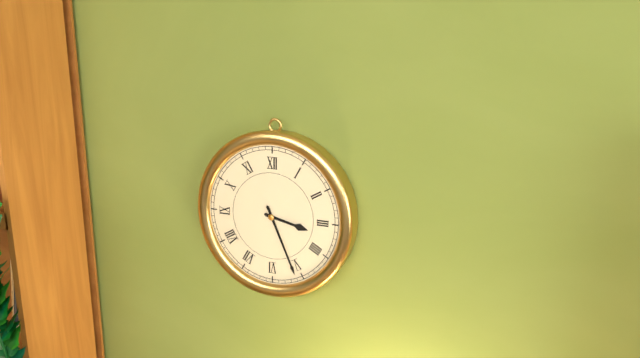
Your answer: **3:26**
